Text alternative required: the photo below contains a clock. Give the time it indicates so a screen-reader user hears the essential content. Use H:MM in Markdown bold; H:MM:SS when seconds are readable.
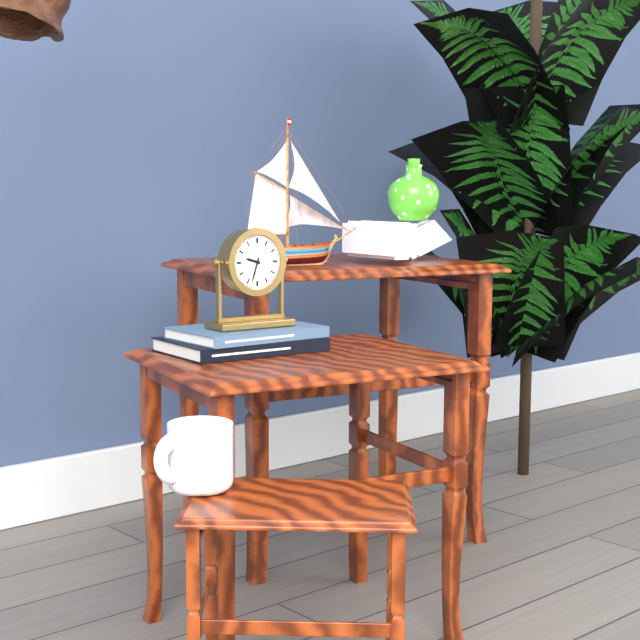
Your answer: **9:33**
